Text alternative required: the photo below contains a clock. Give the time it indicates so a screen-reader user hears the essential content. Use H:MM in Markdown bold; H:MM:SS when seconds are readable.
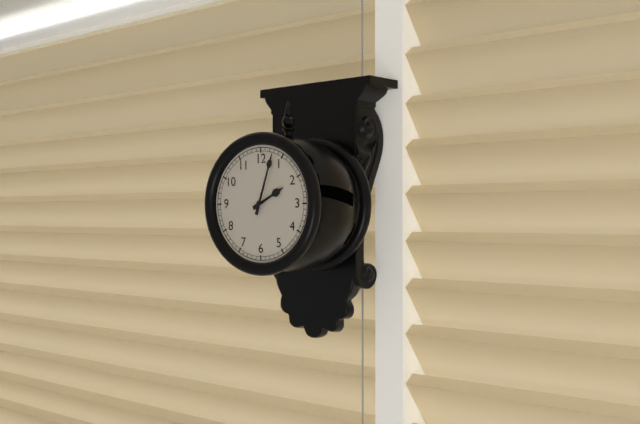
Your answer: **2:03**
